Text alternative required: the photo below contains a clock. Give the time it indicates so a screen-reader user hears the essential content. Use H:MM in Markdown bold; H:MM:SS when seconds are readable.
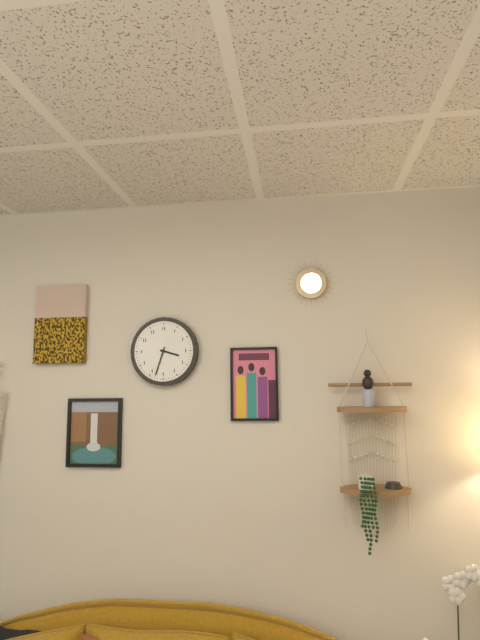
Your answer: **3:33**
